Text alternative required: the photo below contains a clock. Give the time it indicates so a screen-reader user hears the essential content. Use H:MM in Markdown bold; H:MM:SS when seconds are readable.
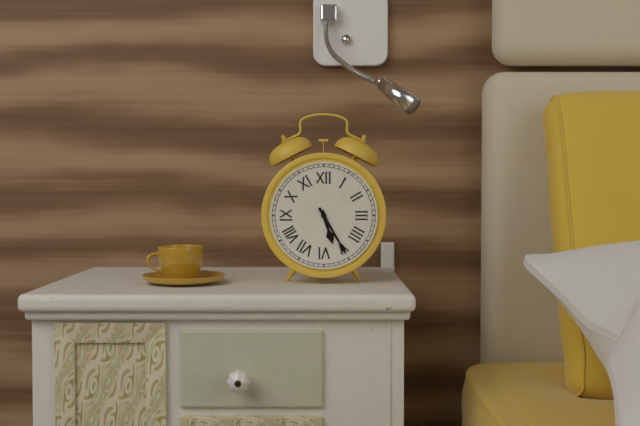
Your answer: **5:25**
